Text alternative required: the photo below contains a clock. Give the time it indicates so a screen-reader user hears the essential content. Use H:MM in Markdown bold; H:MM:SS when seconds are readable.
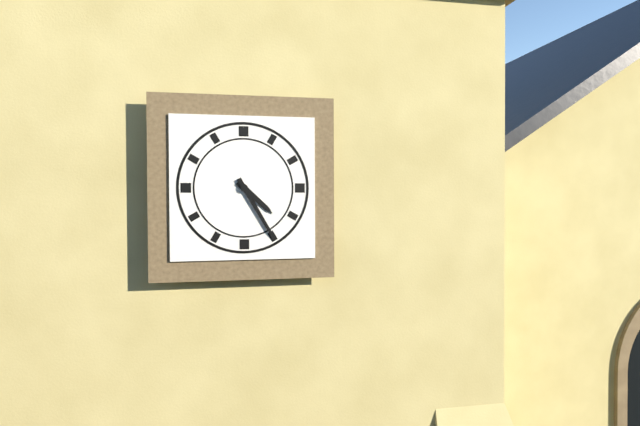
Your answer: **4:25**
